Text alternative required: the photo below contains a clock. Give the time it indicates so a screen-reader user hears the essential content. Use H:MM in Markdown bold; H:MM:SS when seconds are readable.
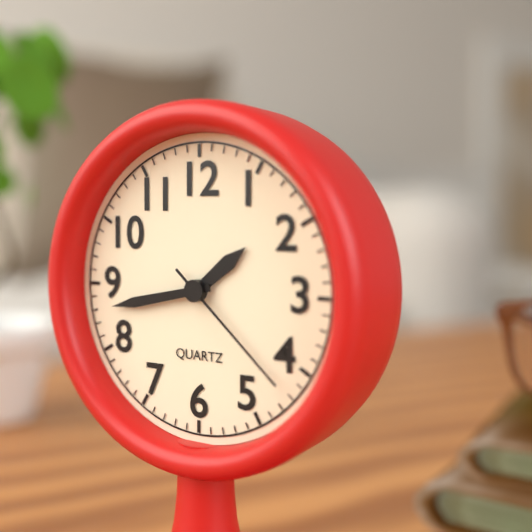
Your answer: **1:43:22**
